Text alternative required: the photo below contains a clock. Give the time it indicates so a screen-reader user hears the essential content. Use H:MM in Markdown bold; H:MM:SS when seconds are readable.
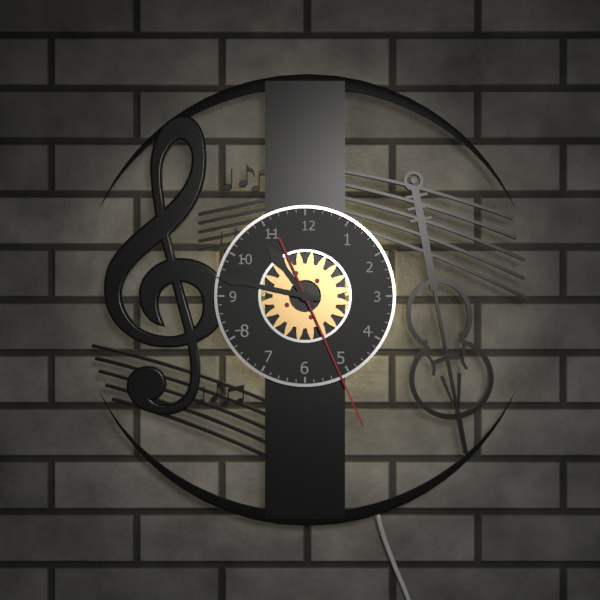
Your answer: **10:47:26**
